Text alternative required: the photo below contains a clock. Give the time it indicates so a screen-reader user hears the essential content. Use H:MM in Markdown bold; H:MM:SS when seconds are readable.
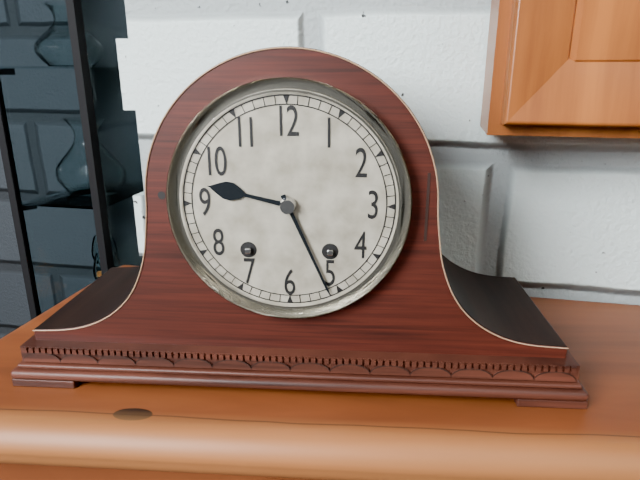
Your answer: **9:26**
